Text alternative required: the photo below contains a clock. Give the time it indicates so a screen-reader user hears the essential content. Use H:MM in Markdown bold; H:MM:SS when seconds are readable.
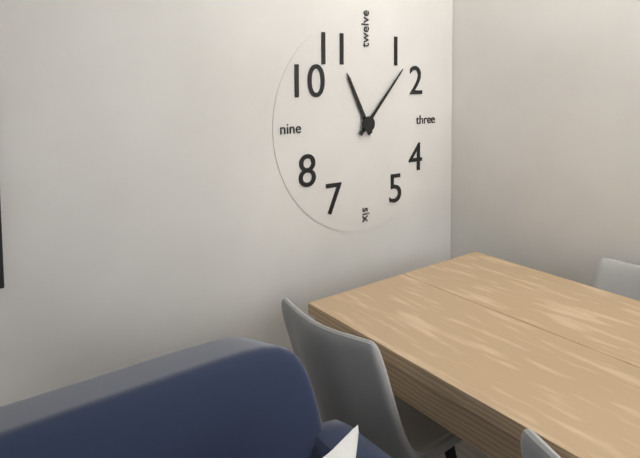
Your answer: **11:07**
